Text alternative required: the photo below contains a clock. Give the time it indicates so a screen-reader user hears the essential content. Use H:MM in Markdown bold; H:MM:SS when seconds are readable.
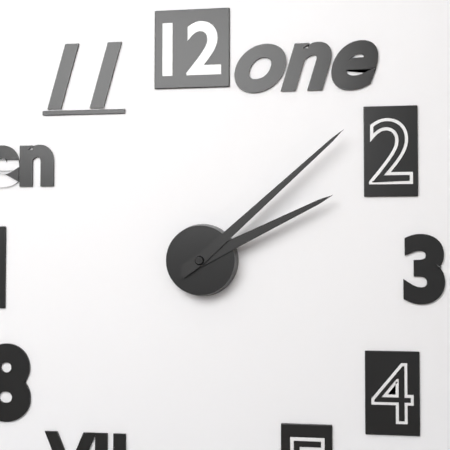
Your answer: **2:08**
